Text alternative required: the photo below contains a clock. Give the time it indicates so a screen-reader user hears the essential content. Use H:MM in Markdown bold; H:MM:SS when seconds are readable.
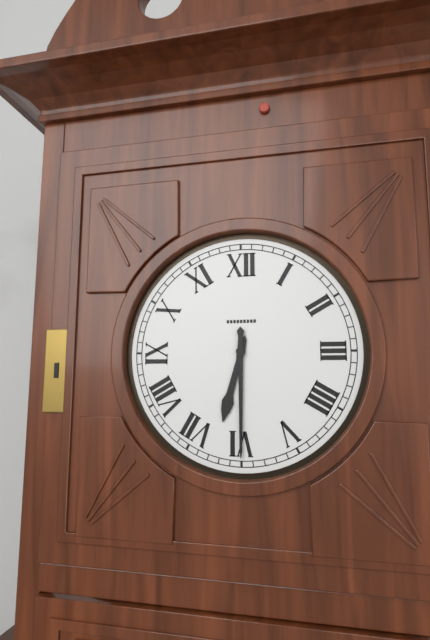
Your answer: **6:30**
